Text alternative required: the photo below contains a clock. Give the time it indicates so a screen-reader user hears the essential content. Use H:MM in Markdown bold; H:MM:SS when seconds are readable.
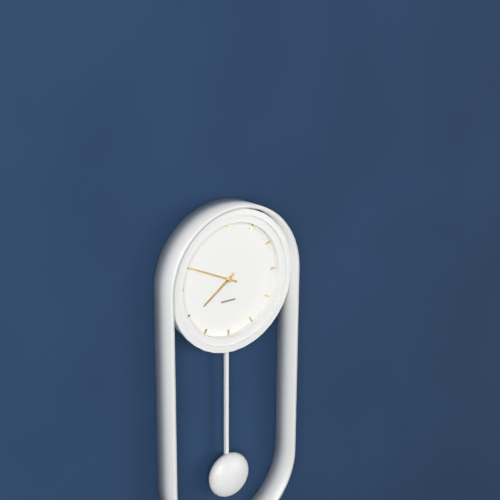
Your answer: **7:49**
